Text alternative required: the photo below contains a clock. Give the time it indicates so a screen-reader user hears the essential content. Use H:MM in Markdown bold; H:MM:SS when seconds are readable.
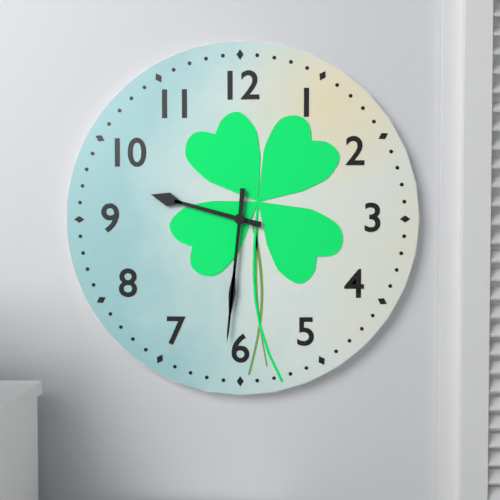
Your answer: **9:31**
